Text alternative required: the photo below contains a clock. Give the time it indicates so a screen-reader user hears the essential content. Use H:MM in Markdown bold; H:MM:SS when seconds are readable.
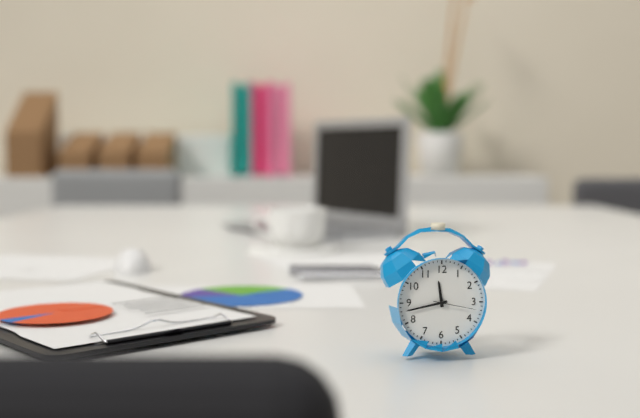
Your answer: **11:43**
